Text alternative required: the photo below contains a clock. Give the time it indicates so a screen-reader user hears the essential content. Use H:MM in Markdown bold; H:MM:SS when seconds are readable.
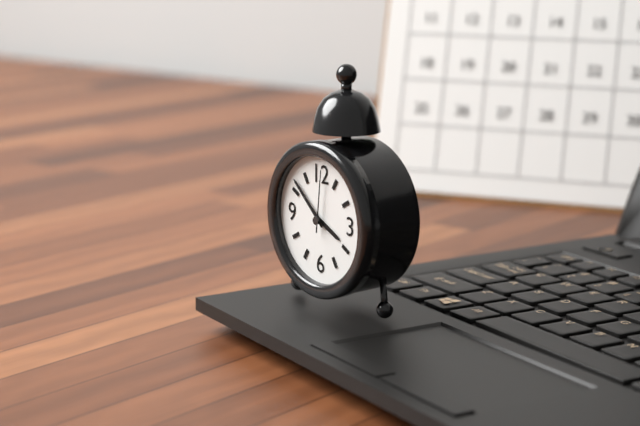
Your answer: **3:52:01**
